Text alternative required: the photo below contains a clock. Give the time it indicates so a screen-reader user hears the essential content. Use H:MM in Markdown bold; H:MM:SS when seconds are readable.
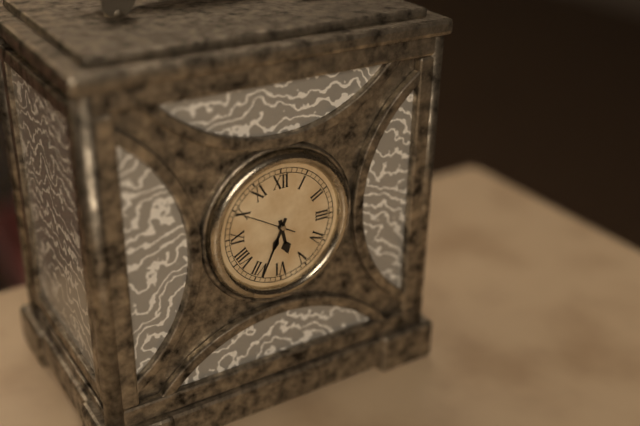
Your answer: **5:34:50**
